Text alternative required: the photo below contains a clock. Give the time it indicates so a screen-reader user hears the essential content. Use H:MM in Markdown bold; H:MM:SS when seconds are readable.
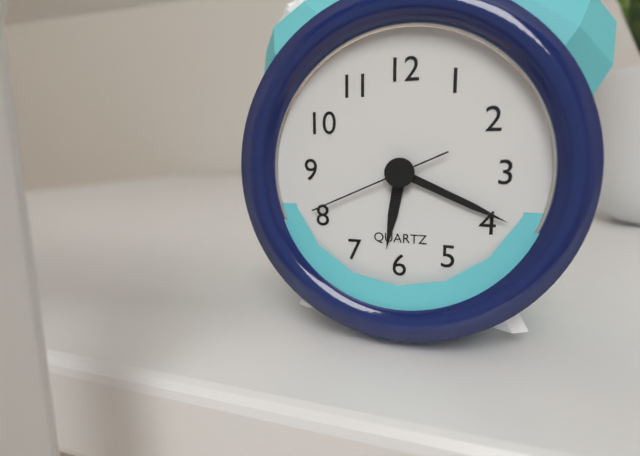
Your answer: **6:19:41**
